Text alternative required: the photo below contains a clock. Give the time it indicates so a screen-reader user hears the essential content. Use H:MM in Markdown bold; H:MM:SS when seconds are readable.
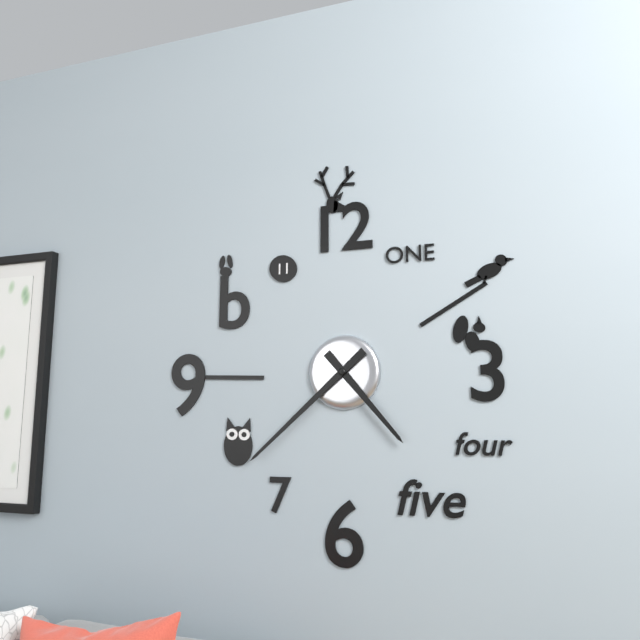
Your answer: **4:38**
